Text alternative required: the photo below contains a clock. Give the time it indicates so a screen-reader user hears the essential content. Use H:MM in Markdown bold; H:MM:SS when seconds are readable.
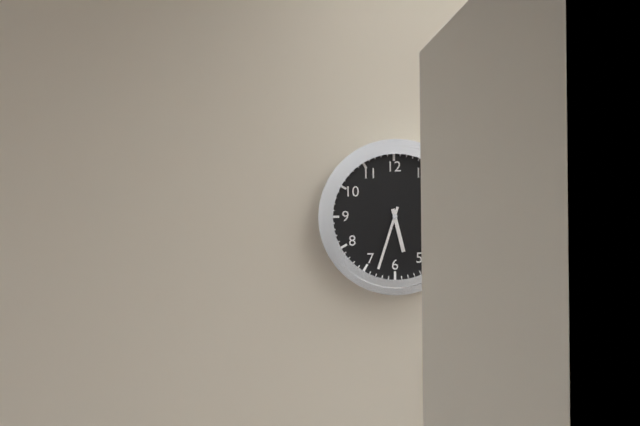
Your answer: **5:33**
